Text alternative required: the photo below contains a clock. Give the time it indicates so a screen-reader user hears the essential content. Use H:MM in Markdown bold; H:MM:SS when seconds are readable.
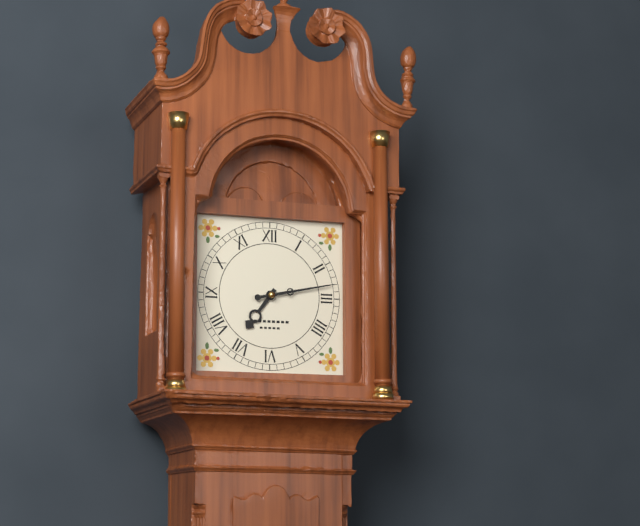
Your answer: **7:13**
